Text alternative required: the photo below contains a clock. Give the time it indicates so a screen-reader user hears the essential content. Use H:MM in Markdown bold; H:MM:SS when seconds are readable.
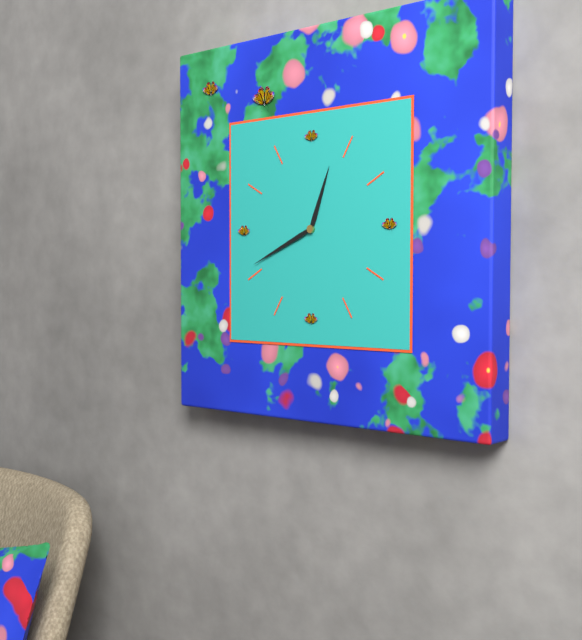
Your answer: **12:41**
